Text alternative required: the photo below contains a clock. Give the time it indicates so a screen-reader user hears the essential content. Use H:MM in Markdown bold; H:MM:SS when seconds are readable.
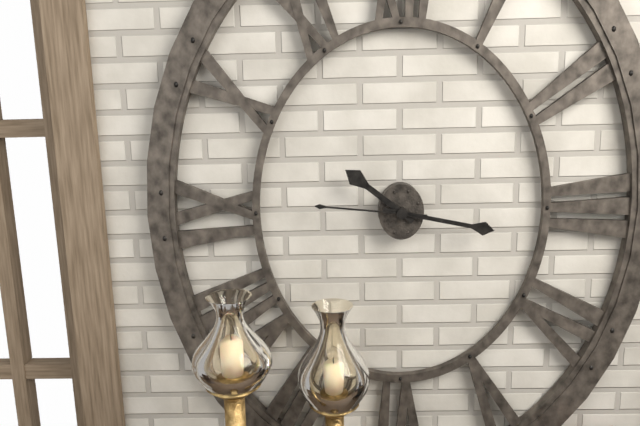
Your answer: **10:17:46**
